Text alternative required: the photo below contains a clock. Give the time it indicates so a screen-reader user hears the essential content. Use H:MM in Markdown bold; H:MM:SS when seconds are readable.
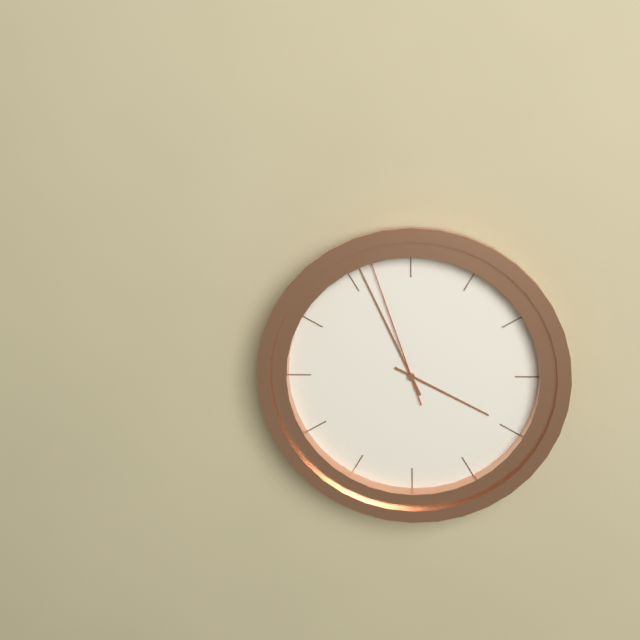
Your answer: **3:56:57**
